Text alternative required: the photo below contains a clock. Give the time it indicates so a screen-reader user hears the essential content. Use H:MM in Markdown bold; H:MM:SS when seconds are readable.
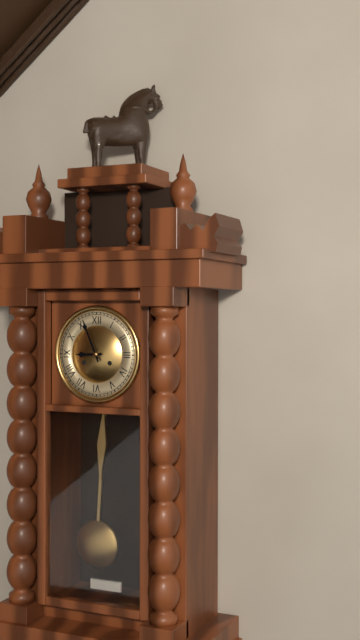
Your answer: **8:56**
